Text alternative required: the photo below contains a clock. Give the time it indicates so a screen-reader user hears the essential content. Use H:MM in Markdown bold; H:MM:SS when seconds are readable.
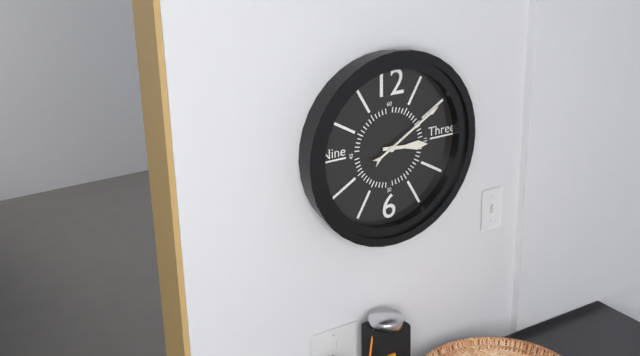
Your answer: **3:10**
